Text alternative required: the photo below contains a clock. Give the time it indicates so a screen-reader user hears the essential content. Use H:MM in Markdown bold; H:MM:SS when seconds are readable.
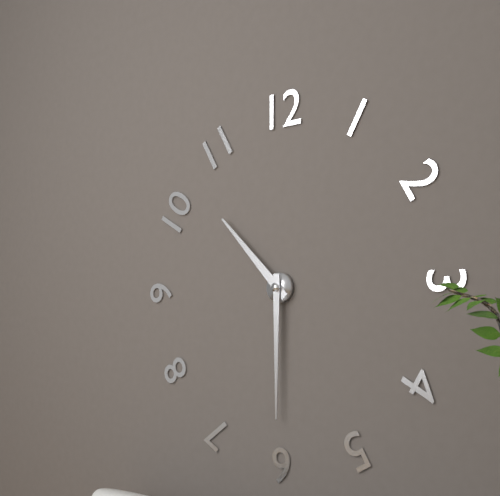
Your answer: **10:30**
